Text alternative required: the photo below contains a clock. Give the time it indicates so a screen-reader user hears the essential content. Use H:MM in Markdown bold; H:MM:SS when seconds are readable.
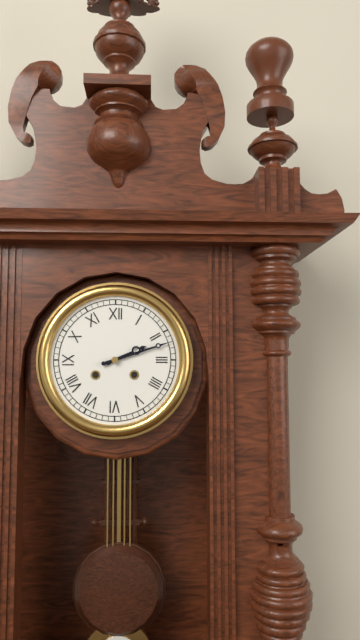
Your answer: **2:12**
